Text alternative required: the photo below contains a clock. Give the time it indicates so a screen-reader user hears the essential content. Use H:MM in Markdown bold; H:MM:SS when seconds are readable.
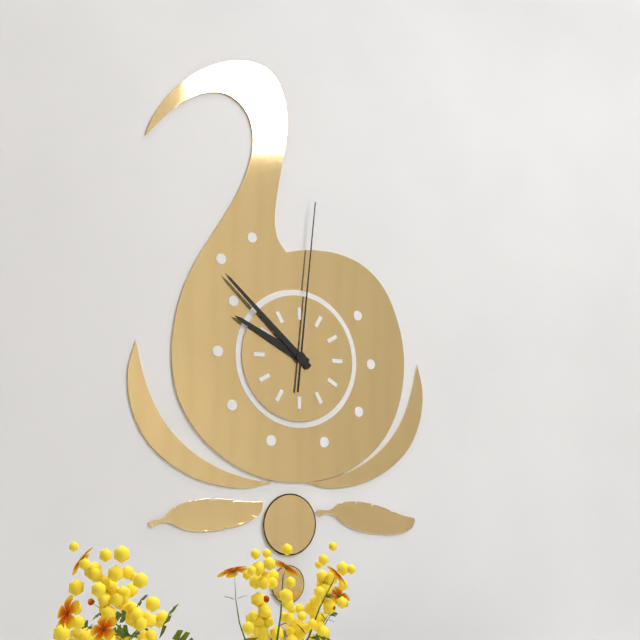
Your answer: **9:52:01**
